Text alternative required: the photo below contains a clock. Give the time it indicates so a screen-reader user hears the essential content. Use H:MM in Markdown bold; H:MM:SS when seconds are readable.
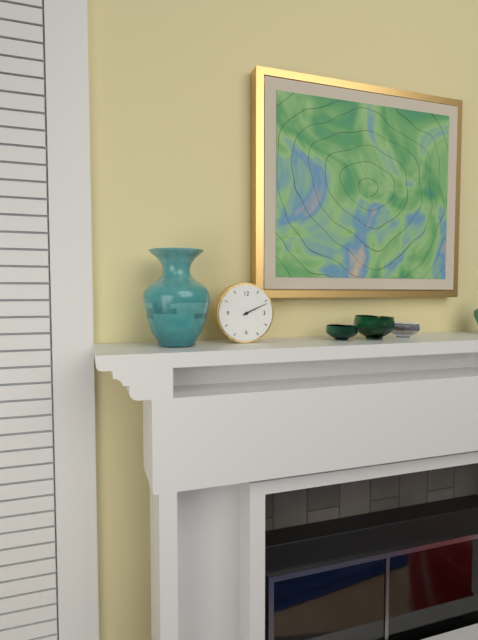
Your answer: **2:11**
